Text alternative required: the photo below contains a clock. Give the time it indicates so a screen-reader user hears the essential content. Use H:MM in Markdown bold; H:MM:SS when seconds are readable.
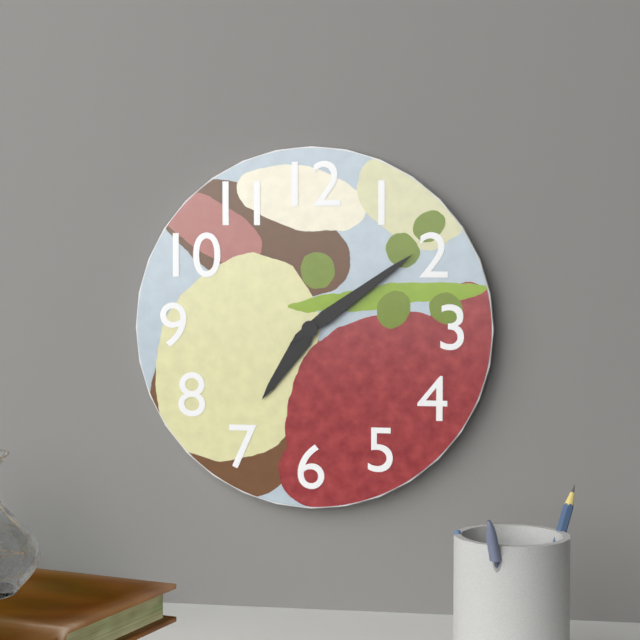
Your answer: **7:09**
